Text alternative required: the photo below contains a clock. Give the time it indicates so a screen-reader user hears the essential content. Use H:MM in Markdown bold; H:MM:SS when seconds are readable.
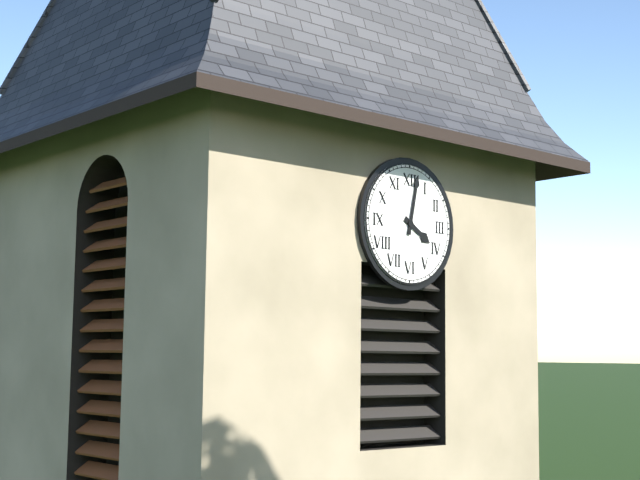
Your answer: **4:02**
